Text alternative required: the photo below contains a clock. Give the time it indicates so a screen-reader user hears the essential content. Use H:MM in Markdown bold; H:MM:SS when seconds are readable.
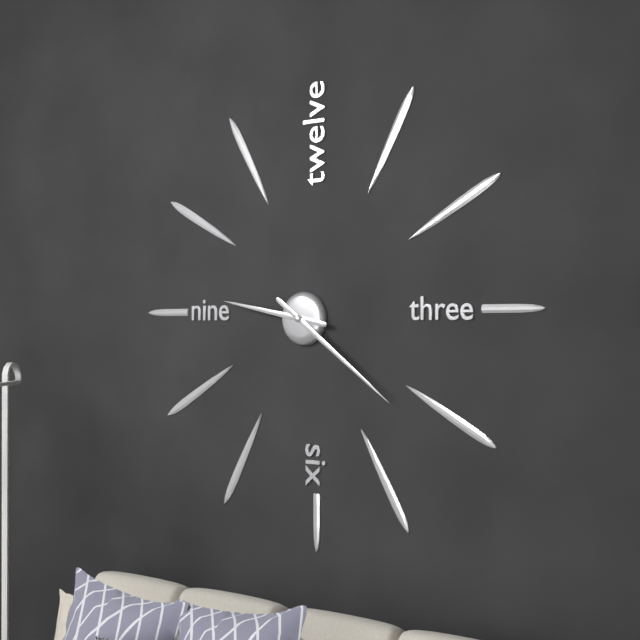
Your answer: **9:21**
